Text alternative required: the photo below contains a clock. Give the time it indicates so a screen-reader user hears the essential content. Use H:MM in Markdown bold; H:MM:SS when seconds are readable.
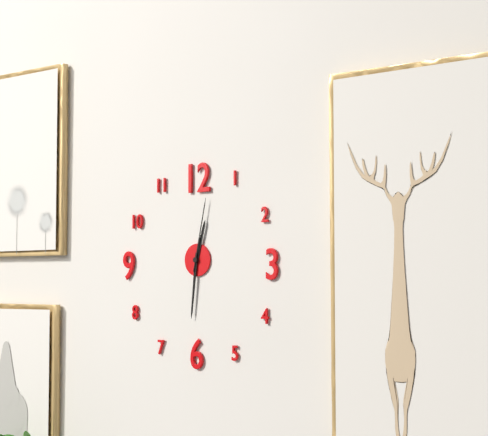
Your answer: **12:31:02**
